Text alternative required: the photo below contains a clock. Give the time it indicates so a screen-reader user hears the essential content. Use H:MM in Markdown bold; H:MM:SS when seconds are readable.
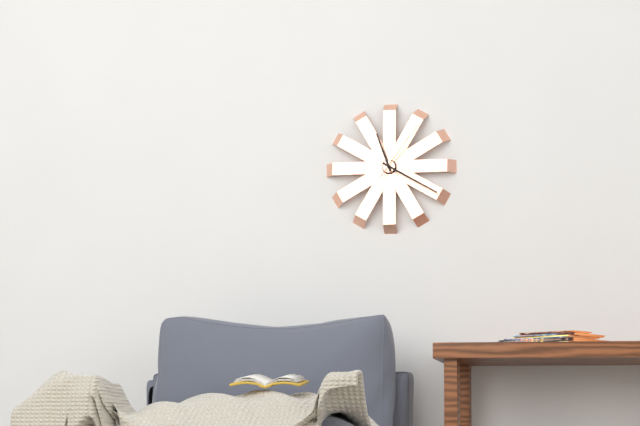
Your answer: **11:20:06**
